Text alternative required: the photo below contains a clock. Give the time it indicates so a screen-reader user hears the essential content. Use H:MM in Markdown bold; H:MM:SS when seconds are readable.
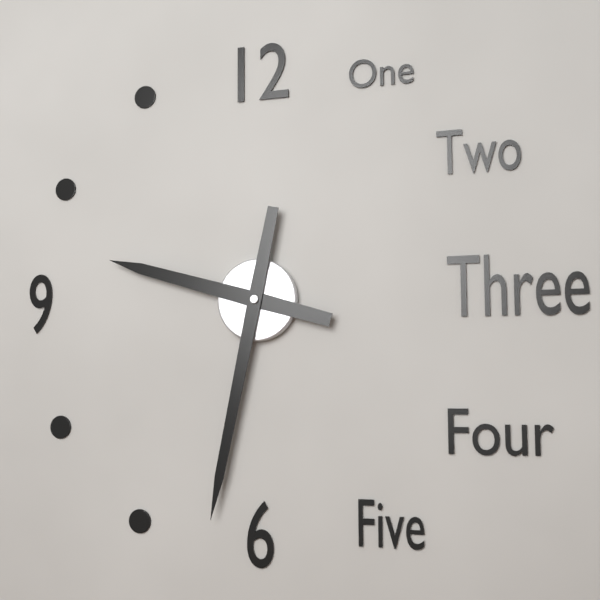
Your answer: **9:32**
